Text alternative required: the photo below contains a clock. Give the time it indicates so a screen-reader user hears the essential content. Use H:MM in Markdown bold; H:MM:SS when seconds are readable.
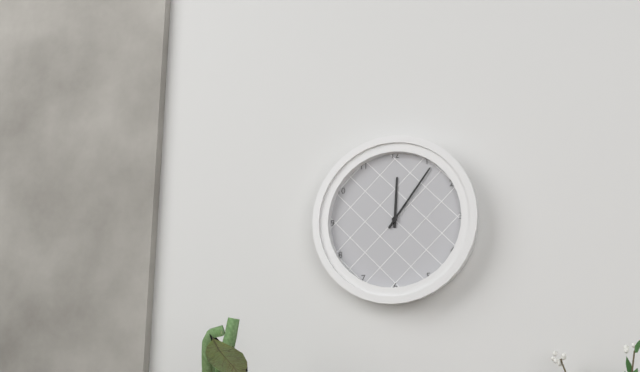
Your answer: **12:06**
